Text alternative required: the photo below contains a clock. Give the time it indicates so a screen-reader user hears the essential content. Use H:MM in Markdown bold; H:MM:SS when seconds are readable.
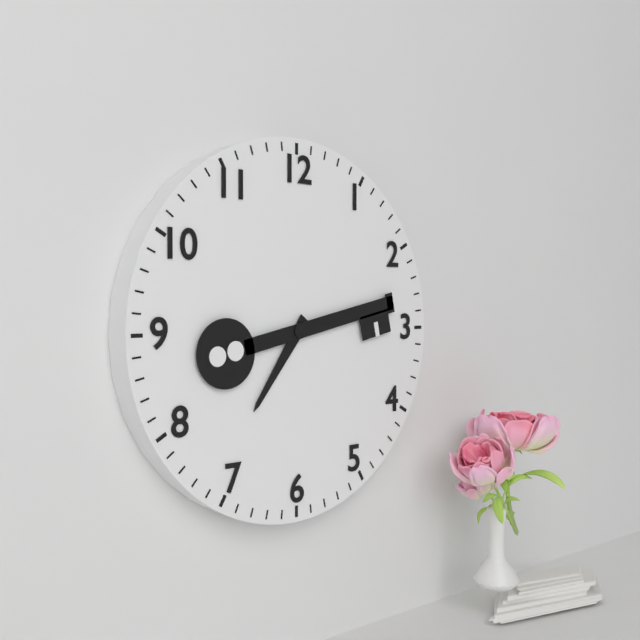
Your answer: **7:13**
